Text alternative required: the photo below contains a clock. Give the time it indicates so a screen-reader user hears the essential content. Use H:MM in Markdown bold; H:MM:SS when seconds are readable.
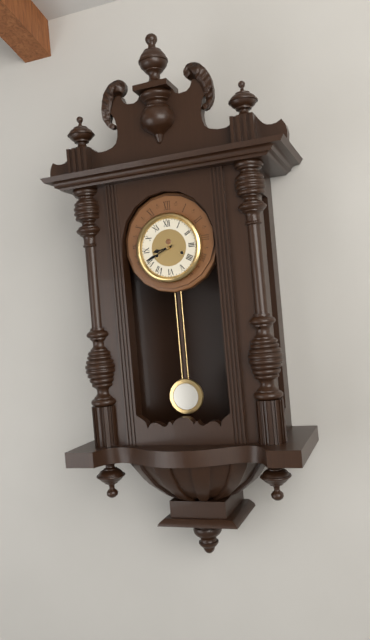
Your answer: **8:41**
